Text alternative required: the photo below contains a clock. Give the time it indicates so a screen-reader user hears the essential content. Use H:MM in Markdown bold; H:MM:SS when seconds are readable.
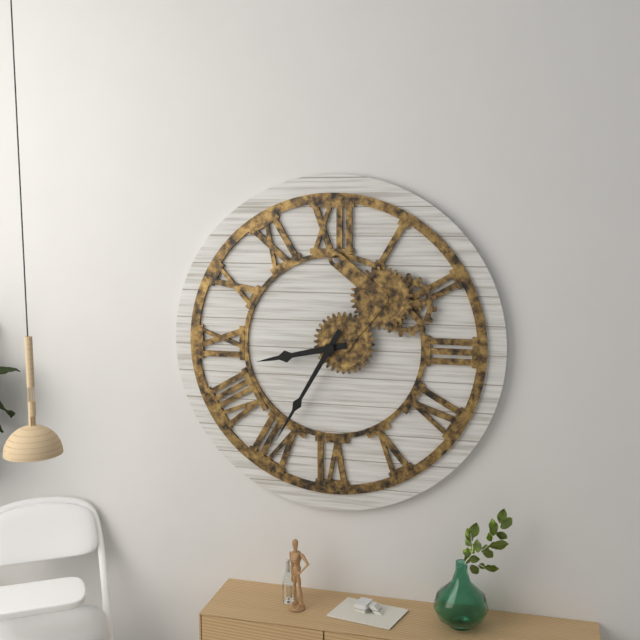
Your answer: **8:35**
